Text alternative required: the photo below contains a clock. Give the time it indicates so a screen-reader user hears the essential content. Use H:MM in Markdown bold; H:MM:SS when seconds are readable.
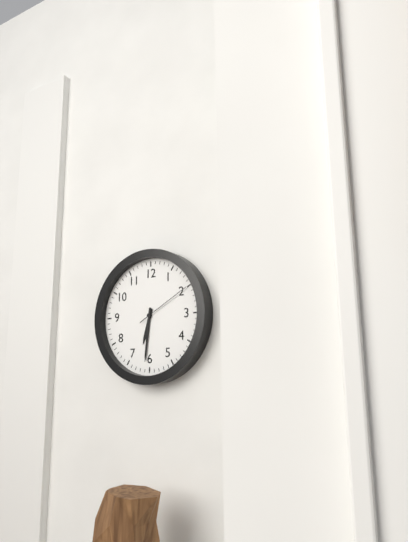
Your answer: **6:31:10**
